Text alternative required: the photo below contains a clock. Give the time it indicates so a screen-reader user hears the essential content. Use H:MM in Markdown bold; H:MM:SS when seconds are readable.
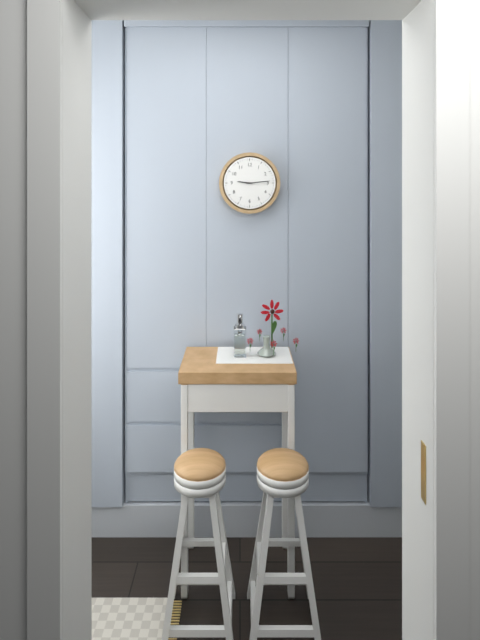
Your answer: **9:14**
